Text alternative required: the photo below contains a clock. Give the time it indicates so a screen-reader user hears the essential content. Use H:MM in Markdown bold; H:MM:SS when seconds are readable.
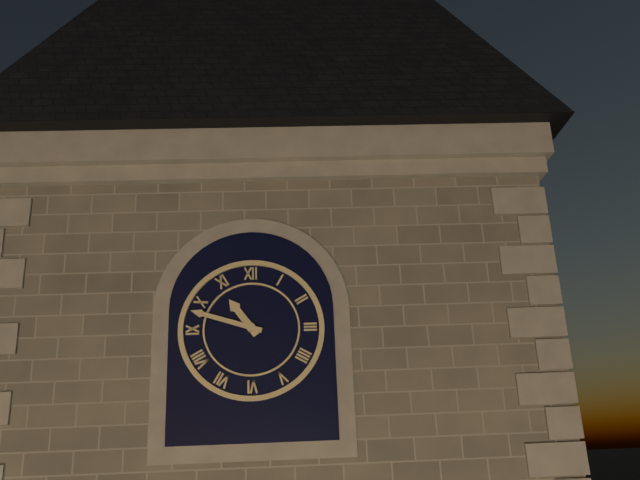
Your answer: **10:48**
